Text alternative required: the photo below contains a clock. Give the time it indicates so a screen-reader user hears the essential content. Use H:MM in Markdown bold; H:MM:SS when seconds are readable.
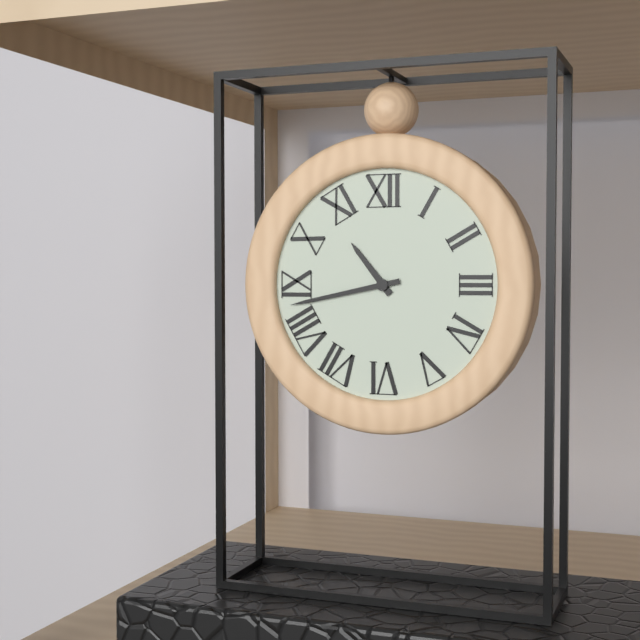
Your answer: **10:43**
